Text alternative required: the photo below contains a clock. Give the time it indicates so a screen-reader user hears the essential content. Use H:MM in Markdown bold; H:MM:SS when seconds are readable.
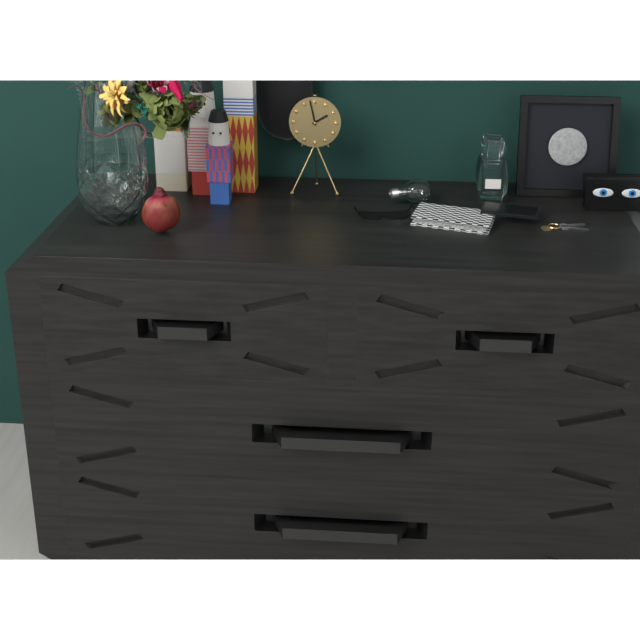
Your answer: **1:58**
